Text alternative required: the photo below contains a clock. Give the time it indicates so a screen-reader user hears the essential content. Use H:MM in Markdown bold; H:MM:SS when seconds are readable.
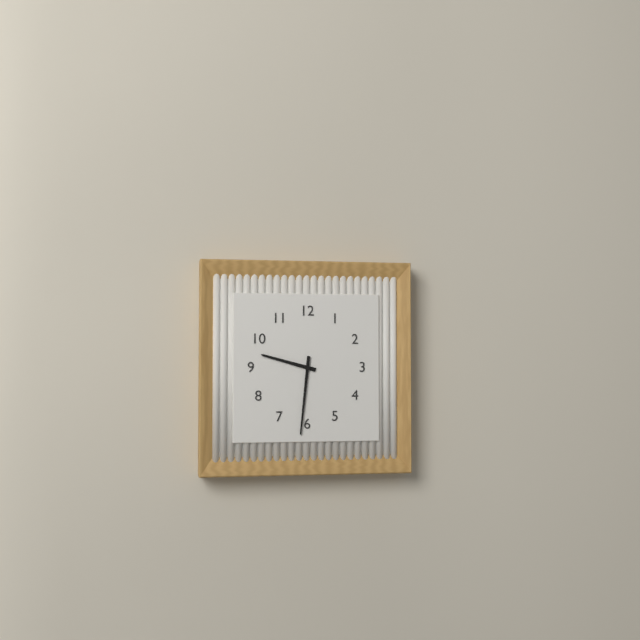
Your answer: **9:31**
